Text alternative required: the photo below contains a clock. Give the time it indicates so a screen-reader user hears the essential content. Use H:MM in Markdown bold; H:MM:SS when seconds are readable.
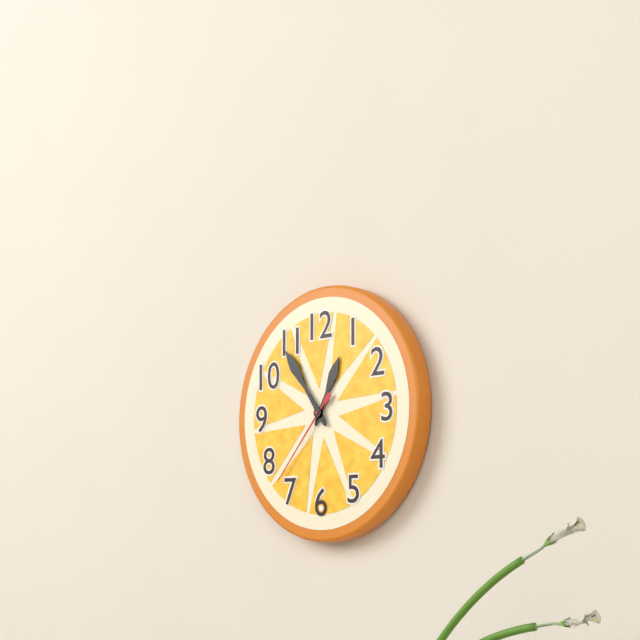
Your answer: **12:54:37**
